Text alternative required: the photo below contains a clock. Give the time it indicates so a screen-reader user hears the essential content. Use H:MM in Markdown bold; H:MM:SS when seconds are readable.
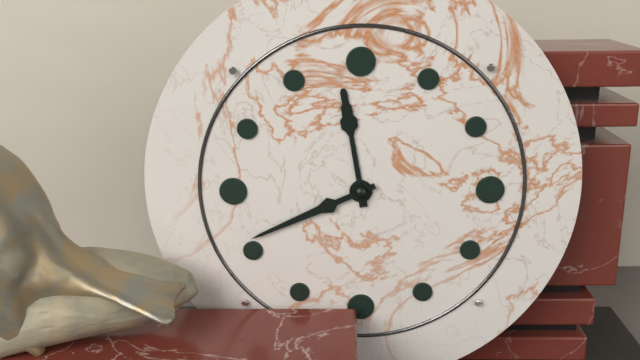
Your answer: **11:41**
